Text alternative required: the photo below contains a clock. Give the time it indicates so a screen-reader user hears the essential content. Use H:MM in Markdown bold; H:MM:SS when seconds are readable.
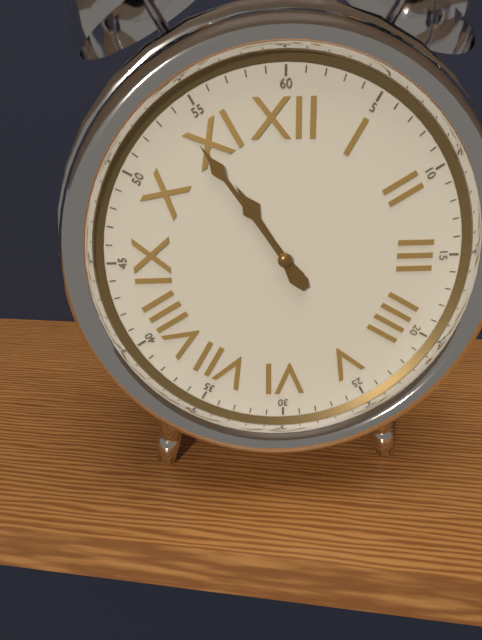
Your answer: **10:54**
